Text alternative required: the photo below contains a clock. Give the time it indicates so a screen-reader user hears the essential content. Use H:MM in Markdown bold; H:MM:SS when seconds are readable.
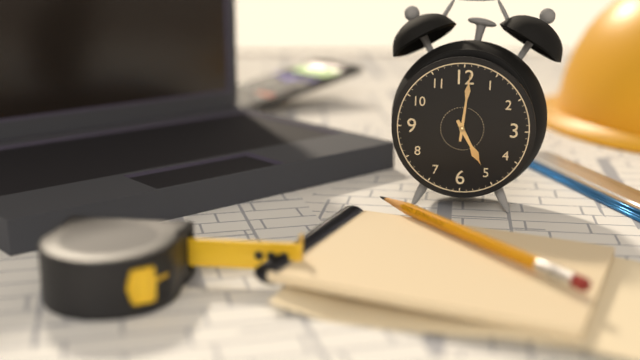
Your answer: **5:01**
